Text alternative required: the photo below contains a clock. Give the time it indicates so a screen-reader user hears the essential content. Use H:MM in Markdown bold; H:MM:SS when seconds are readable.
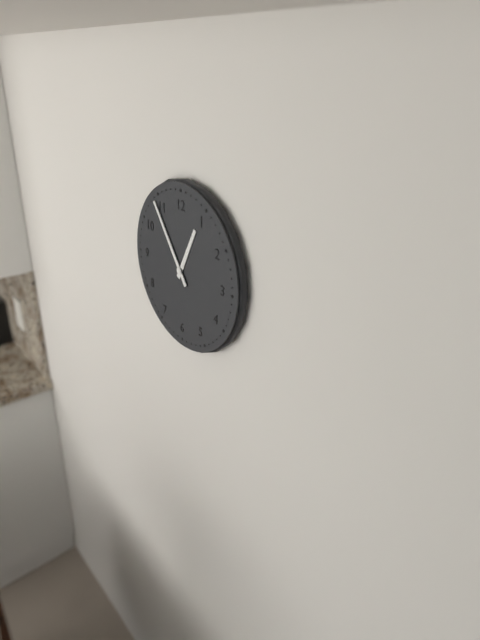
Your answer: **12:54**
